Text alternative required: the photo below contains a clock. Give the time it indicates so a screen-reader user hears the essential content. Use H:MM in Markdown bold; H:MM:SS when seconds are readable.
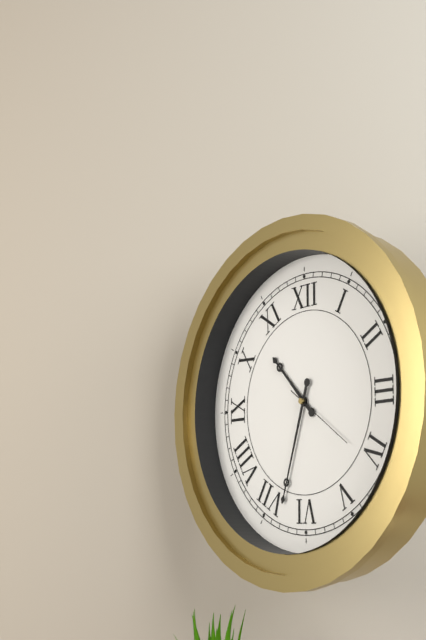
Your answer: **10:33:21**
